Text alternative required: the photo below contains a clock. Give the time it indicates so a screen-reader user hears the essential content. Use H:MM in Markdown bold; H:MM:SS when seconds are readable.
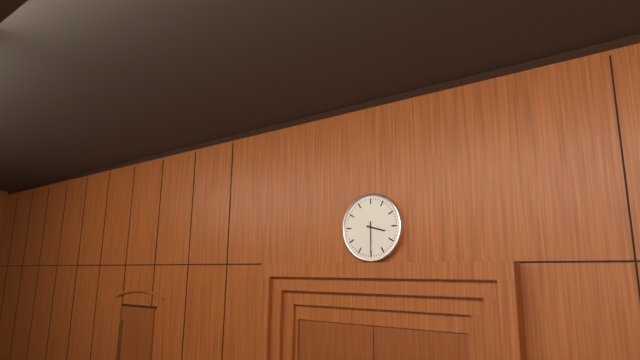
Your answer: **3:30**
